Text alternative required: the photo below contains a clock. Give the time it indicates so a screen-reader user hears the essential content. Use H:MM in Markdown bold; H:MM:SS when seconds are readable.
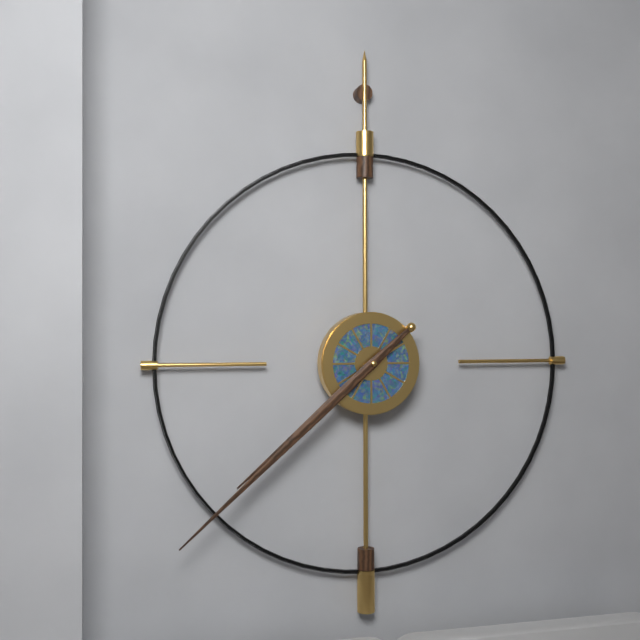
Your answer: **7:38**
